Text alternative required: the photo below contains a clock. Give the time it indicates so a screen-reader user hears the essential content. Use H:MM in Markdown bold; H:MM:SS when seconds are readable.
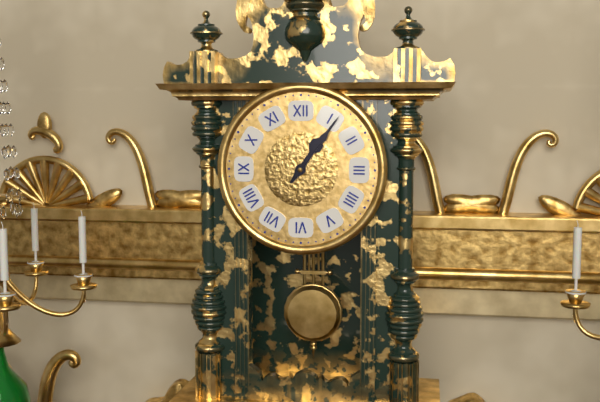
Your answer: **1:06**
